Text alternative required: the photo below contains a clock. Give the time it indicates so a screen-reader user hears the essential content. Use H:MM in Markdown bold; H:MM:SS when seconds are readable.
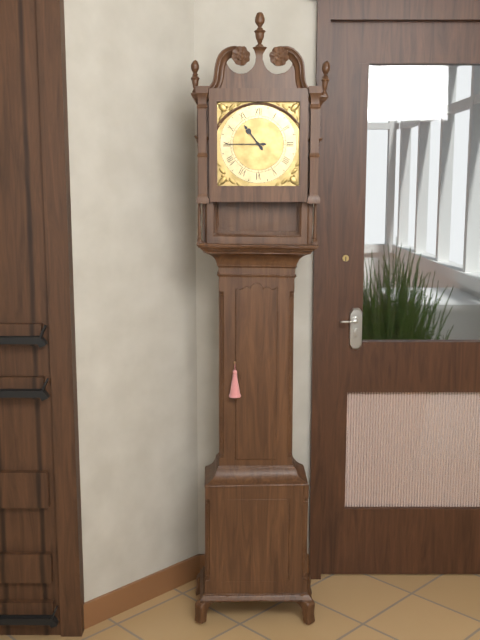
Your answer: **10:45**
